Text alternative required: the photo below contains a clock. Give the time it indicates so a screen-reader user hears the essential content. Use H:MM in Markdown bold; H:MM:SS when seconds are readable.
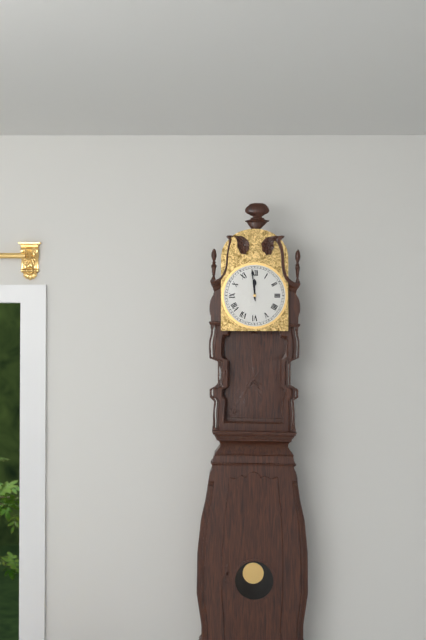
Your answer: **11:59**
